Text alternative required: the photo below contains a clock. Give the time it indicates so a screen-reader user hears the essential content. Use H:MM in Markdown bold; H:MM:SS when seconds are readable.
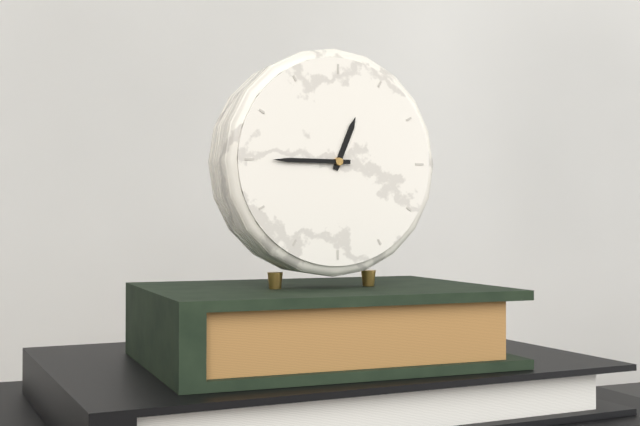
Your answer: **12:45**
